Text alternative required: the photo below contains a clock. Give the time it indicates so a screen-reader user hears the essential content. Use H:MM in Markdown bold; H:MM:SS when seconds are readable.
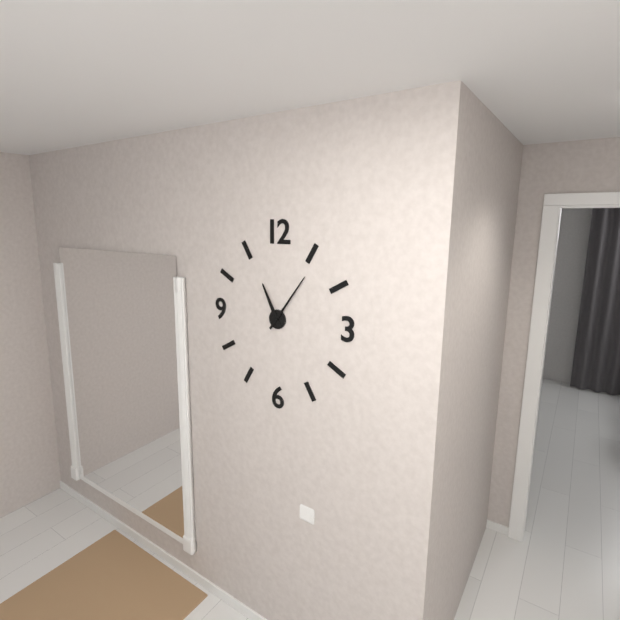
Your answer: **11:06**
